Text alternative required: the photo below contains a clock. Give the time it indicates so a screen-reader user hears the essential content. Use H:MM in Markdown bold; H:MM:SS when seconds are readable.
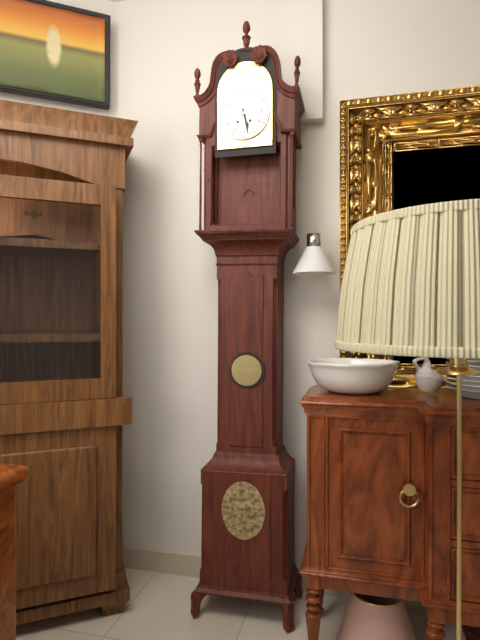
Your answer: **5:28**
